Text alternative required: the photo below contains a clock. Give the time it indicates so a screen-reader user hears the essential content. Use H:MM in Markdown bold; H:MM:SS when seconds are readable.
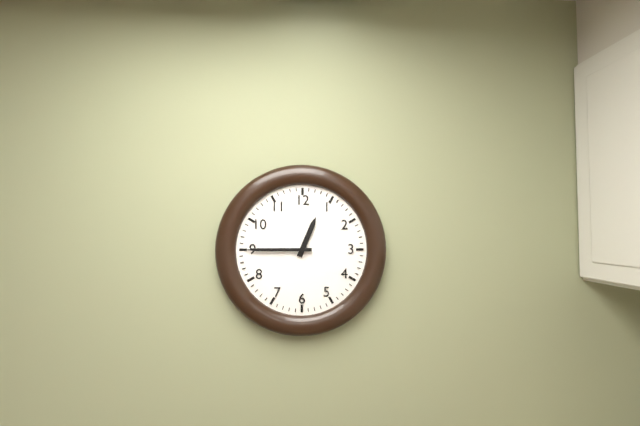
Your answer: **12:45**
